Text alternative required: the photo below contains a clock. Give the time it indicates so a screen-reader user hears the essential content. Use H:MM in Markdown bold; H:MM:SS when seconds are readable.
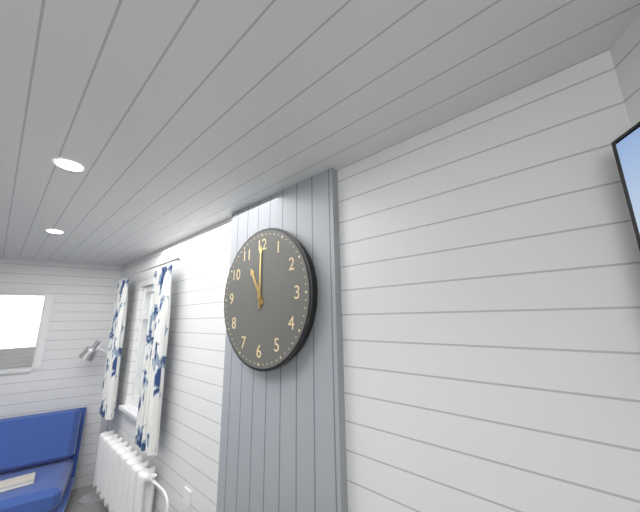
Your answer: **11:00**
